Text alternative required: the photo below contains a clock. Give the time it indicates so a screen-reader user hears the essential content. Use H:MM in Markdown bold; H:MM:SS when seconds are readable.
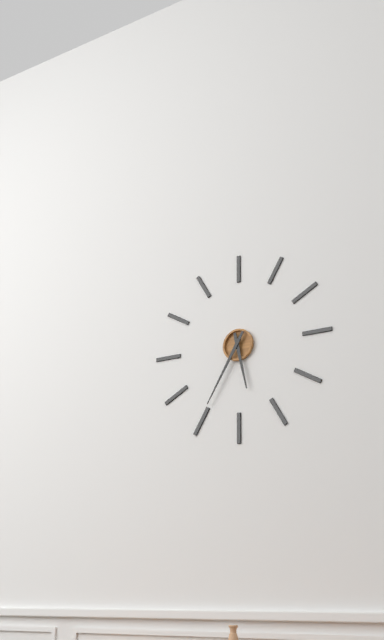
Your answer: **5:35**
